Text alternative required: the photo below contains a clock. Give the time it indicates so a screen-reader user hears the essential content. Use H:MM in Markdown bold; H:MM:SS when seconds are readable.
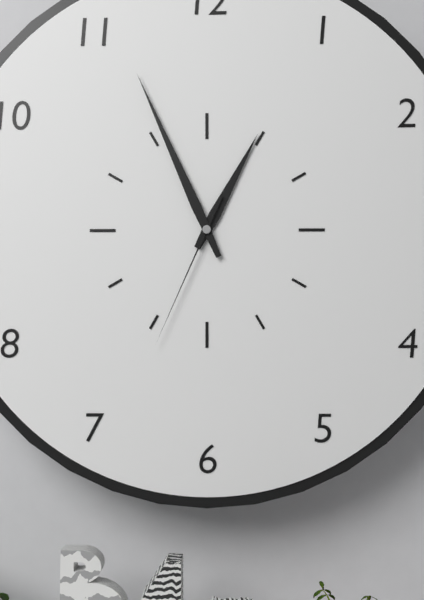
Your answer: **12:56:34**
